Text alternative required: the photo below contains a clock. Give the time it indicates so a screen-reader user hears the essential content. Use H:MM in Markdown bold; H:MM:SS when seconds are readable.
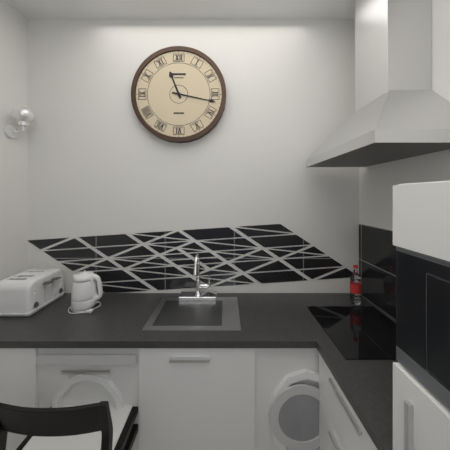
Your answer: **11:17**
